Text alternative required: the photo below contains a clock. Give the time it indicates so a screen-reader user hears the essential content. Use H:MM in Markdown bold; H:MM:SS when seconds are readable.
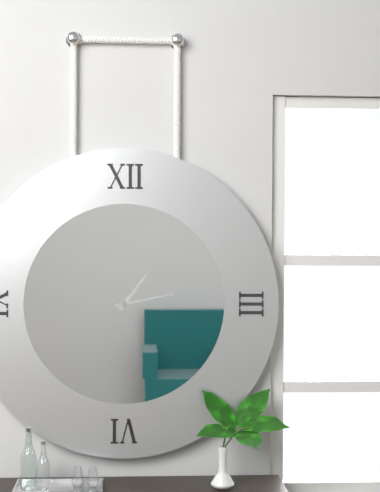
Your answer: **1:13**
